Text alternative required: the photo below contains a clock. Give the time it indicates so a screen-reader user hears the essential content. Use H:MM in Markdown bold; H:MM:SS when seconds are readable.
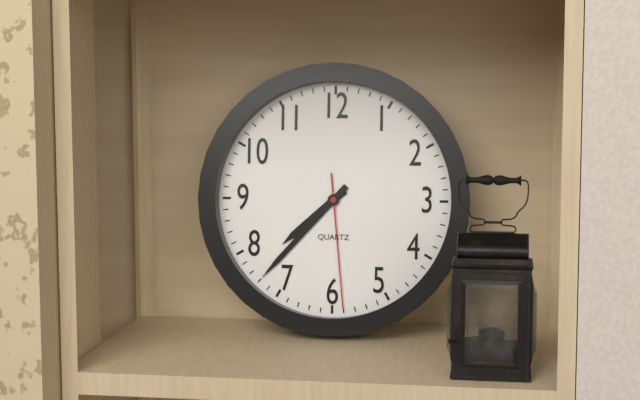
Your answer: **7:37:29**
